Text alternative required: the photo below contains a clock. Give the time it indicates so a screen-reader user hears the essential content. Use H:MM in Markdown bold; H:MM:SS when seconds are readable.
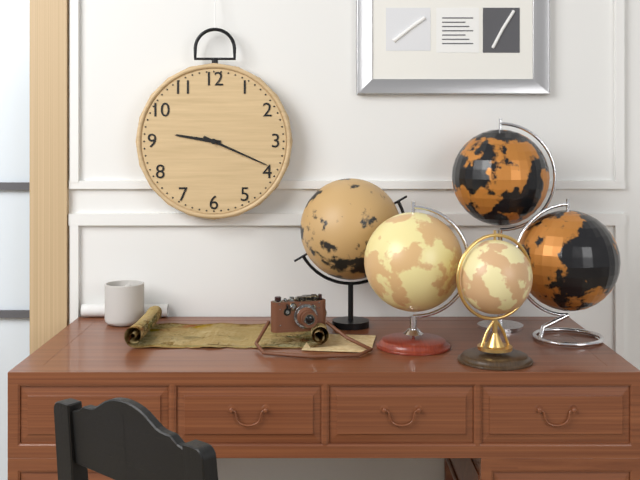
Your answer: **9:19**
